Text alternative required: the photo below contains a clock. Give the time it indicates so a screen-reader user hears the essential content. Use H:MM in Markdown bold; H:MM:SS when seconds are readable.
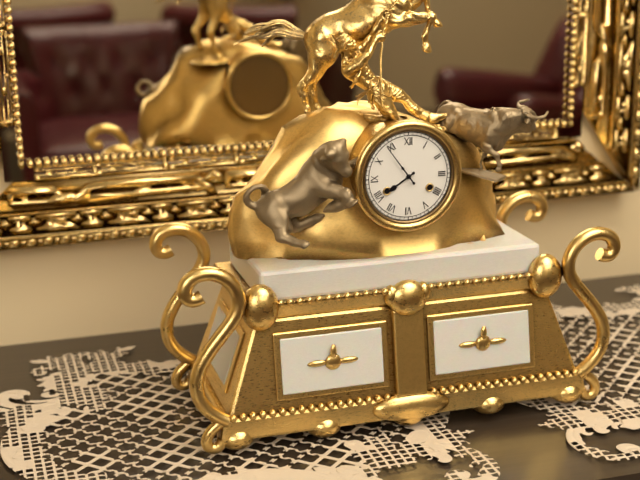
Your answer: **7:54**
